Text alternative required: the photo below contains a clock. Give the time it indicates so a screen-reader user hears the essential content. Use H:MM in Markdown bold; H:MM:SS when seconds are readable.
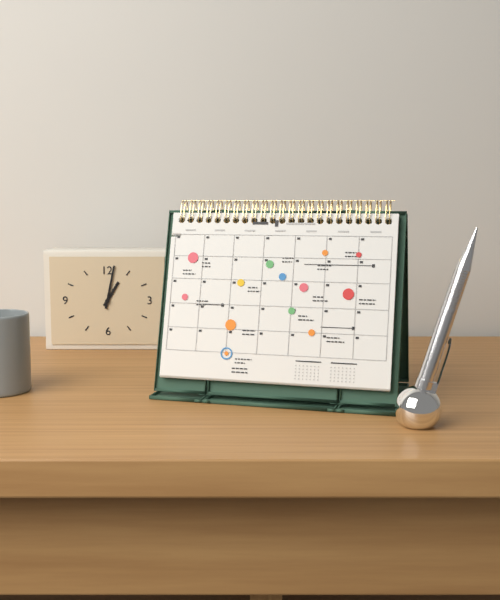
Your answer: **1:02**
